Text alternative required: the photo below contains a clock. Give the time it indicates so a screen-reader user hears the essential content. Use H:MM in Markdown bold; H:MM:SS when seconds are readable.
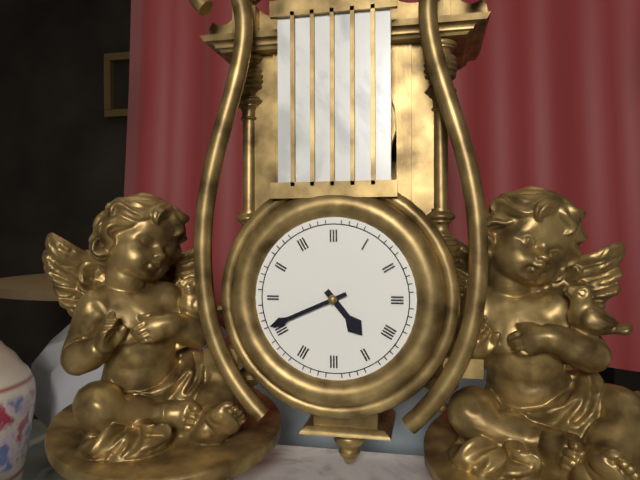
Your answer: **4:41**
